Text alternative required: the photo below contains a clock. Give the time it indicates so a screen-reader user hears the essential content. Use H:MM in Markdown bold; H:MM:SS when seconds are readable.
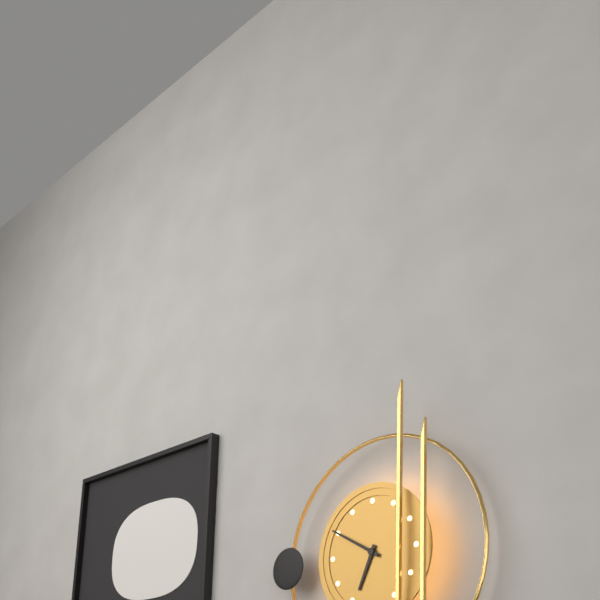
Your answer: **6:50**
